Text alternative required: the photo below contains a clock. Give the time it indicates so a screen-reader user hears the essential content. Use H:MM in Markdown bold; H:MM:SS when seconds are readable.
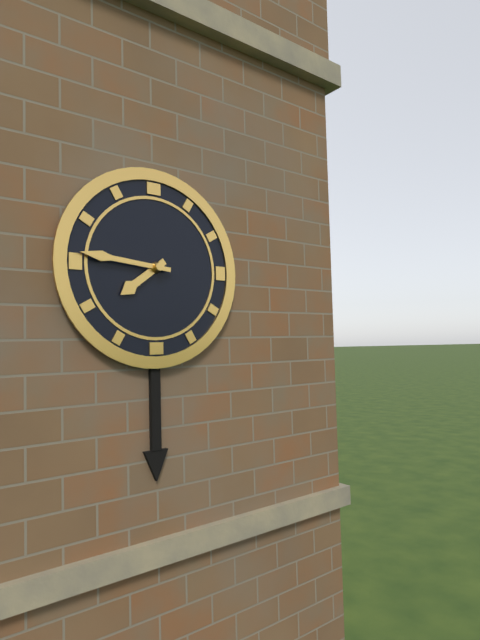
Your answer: **7:46**
